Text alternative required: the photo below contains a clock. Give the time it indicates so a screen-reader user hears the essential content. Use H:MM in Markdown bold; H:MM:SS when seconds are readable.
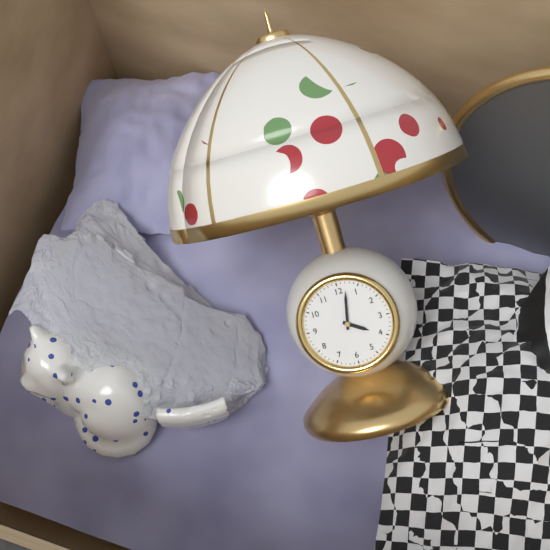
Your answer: **4:02**
